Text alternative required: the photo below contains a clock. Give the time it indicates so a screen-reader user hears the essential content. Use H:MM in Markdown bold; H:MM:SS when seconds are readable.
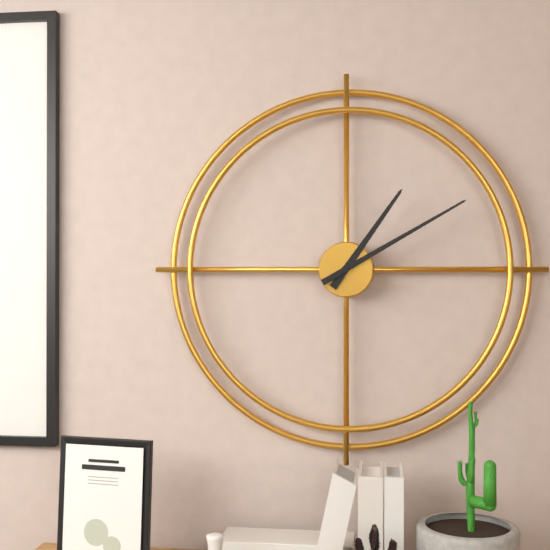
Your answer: **1:10**
